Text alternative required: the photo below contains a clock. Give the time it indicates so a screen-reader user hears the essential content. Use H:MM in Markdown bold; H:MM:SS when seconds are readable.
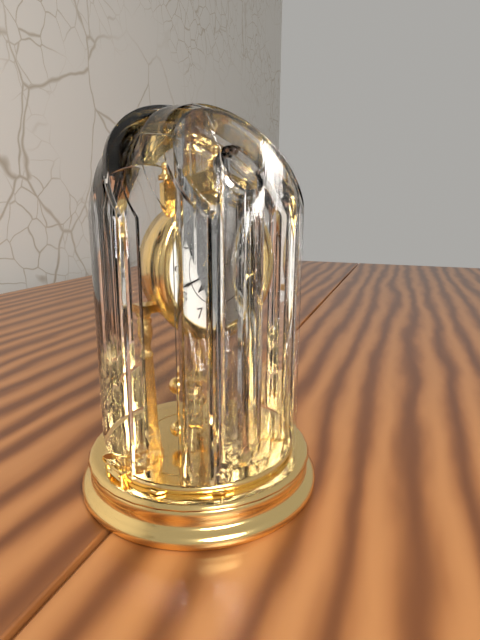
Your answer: **7:42**
